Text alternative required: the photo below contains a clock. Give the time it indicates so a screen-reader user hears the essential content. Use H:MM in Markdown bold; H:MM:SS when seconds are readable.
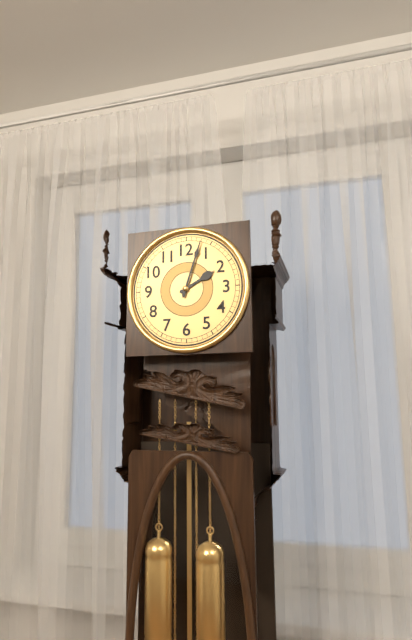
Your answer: **2:03**
